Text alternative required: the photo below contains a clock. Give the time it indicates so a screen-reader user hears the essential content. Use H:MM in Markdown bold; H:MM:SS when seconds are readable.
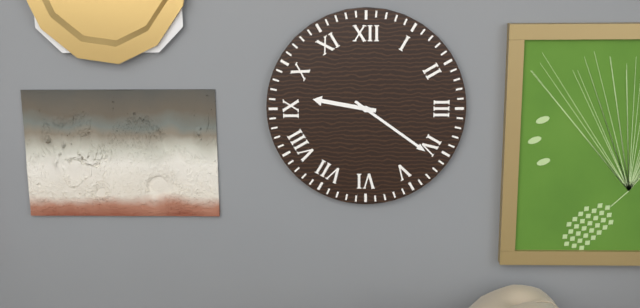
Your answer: **9:21**
